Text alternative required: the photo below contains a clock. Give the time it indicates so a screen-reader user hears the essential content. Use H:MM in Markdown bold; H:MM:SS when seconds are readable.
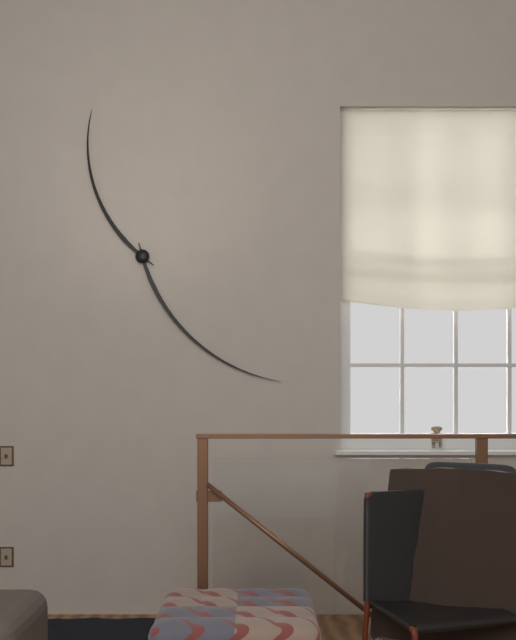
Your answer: **11:22**
